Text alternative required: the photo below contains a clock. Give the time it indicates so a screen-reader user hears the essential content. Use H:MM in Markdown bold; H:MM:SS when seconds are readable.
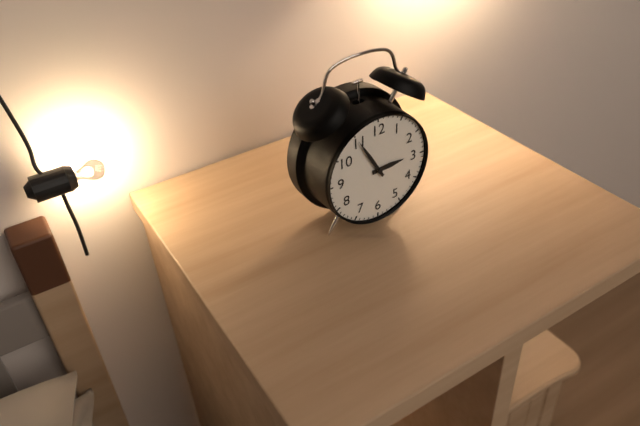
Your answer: **2:55**
